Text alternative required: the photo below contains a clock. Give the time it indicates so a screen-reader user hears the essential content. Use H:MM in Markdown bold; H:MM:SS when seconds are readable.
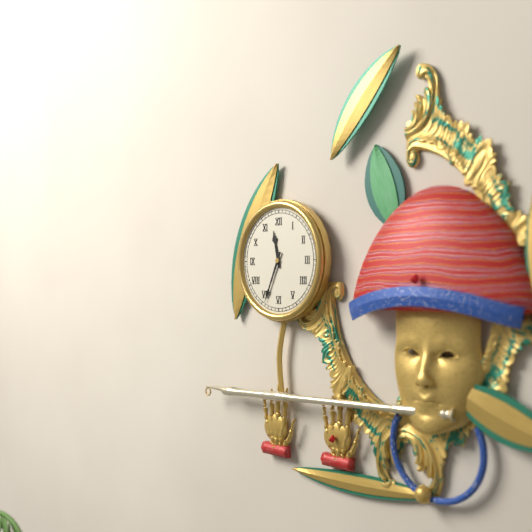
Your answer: **11:34**
